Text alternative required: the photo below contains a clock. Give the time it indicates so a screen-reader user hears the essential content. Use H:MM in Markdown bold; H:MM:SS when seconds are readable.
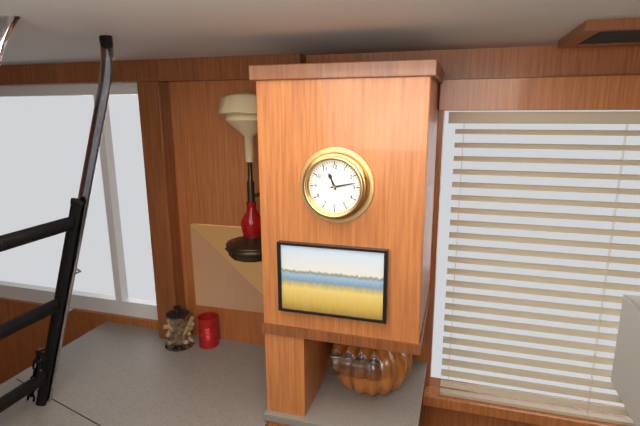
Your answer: **11:13**
